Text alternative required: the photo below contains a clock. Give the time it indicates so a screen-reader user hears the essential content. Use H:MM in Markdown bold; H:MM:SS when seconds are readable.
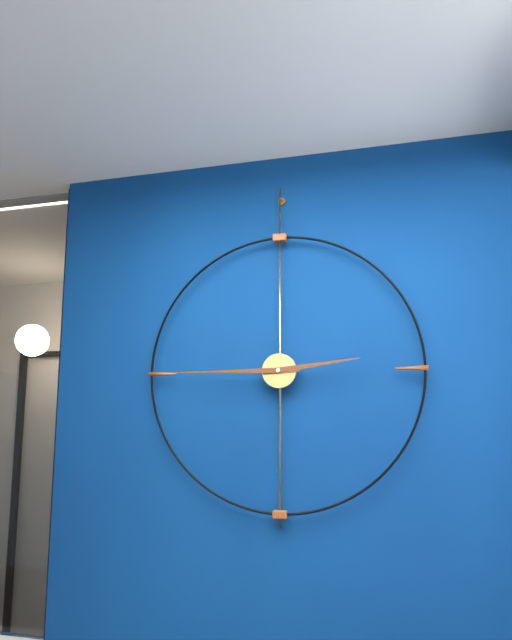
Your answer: **2:45**
